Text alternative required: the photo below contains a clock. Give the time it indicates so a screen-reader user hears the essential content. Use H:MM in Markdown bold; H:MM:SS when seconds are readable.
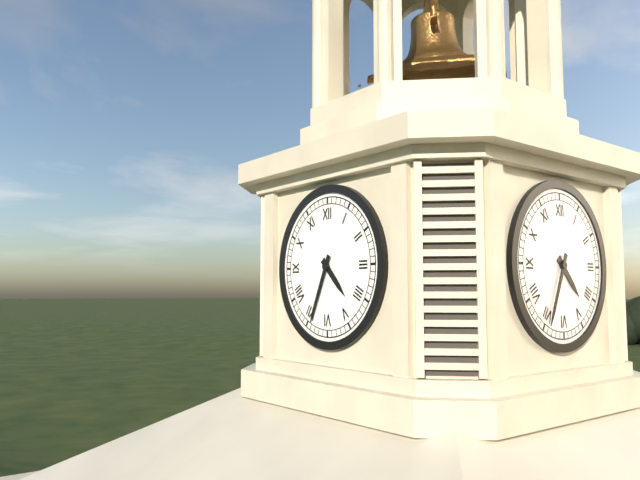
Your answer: **4:34**
